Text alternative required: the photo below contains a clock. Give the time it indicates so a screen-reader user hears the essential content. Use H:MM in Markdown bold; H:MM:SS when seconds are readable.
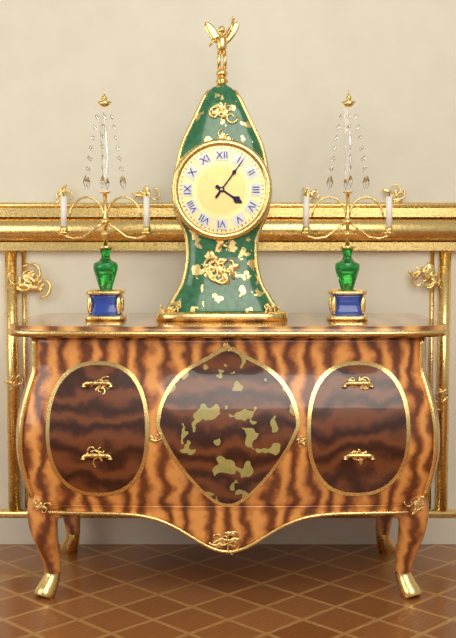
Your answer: **4:06**
